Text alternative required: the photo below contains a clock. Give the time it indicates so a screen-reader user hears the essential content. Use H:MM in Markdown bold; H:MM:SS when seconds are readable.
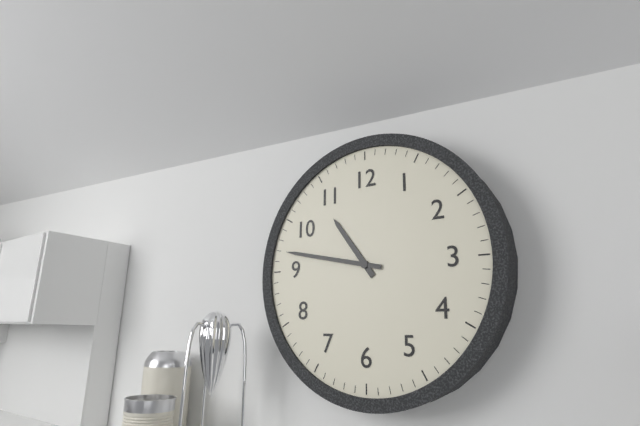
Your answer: **10:47**
